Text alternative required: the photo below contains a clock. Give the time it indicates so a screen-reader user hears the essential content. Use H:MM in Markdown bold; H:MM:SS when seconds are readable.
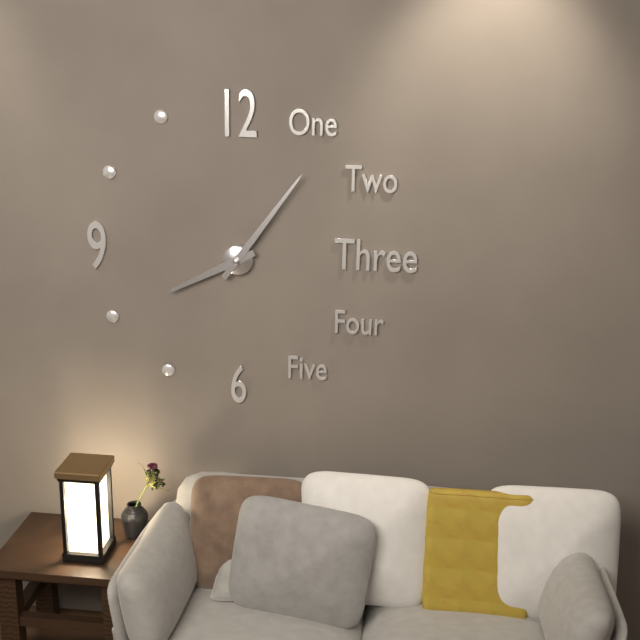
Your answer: **8:06**
